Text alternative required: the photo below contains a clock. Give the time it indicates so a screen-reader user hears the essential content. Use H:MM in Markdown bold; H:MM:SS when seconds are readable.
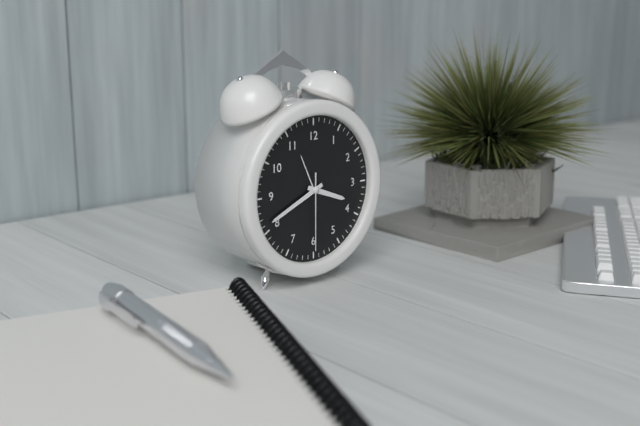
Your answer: **3:41:30**
